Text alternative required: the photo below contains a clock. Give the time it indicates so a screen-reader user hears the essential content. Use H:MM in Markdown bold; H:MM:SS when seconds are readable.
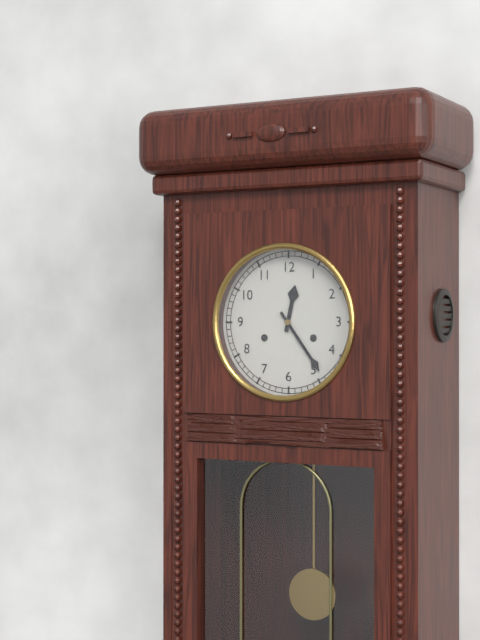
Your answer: **12:24**
